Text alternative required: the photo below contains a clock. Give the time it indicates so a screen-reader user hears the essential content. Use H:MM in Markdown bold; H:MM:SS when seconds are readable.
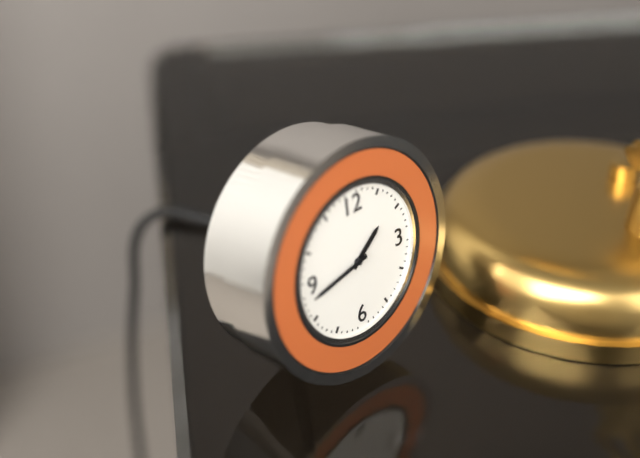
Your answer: **1:43**
